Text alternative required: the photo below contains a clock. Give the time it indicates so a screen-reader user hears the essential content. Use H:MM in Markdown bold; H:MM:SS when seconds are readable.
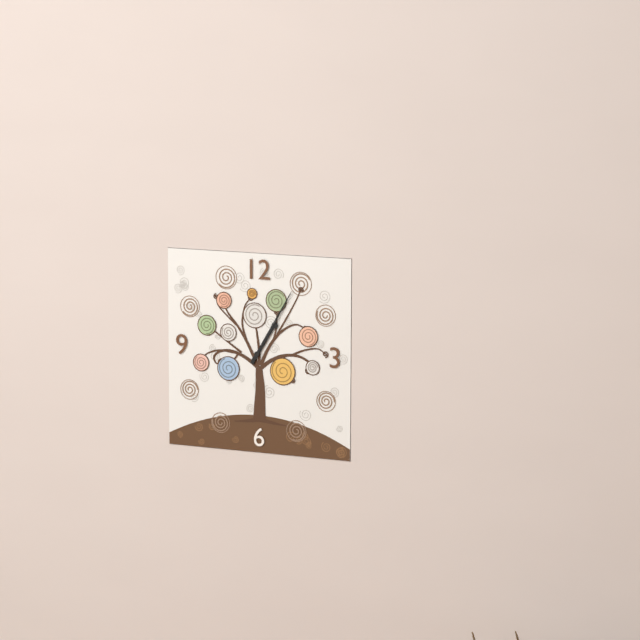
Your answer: **1:05**
